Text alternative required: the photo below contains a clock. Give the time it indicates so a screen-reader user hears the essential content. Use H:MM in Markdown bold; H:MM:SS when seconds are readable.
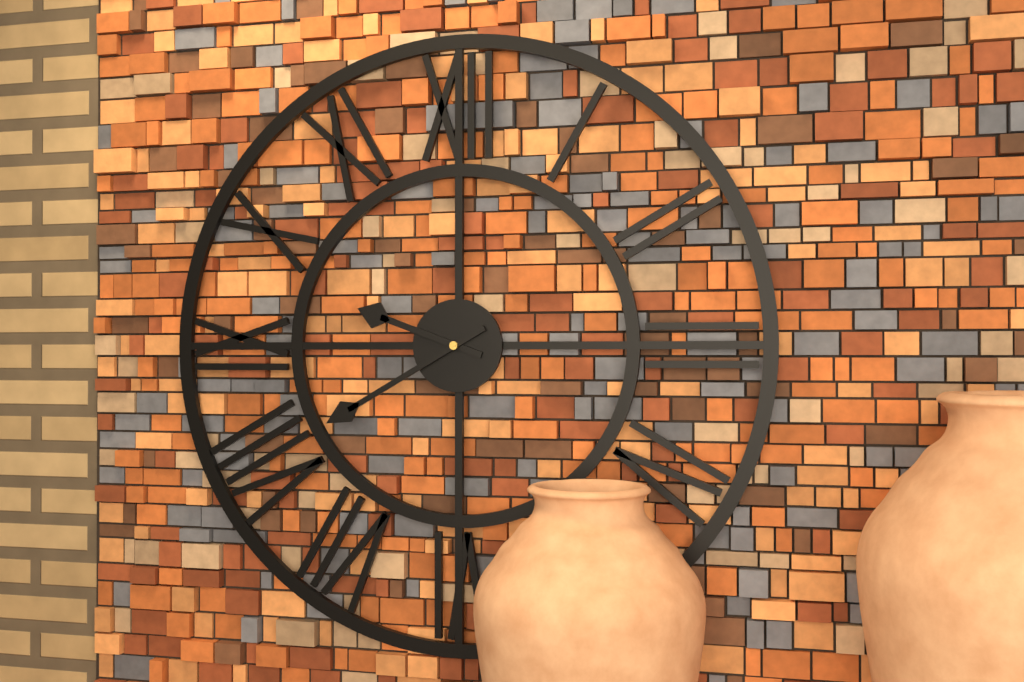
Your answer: **9:40**
